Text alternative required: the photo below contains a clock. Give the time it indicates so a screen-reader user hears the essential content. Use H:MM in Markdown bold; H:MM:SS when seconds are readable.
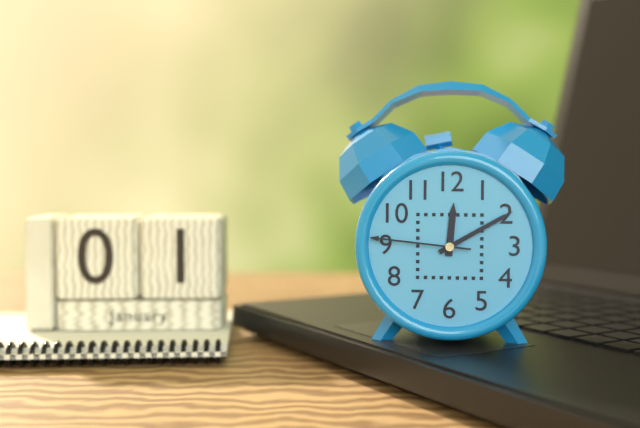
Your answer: **12:10:46**
